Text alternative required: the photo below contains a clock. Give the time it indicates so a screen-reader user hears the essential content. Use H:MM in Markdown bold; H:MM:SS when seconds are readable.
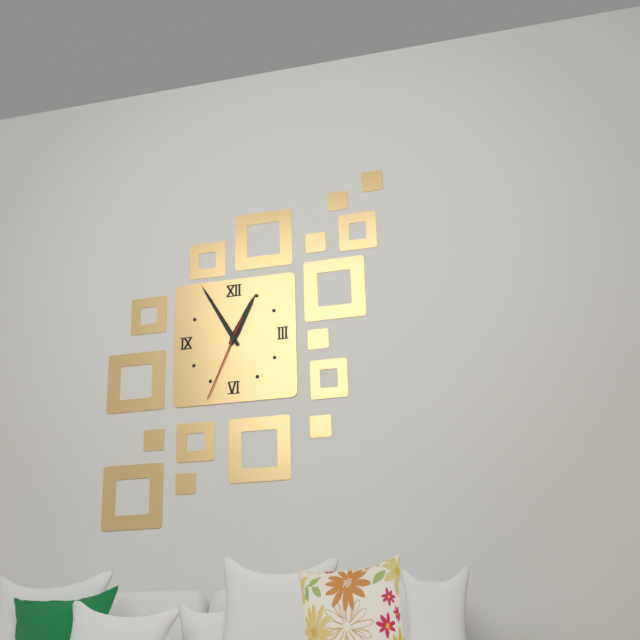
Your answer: **12:55:34**
